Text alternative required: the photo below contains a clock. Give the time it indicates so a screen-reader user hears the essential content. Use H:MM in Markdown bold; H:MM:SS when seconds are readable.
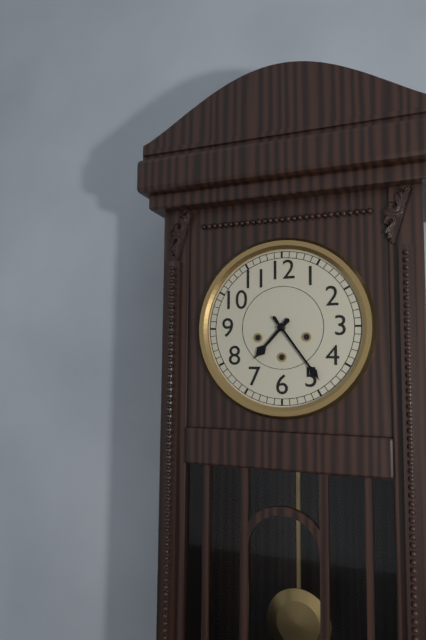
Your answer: **7:24**
